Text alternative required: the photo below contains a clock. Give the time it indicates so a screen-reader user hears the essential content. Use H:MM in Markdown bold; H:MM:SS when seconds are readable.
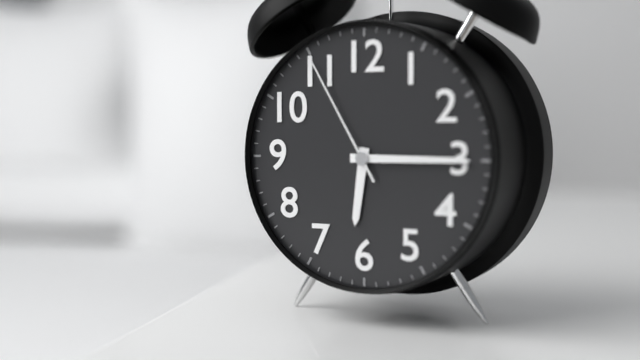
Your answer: **6:15:55**
